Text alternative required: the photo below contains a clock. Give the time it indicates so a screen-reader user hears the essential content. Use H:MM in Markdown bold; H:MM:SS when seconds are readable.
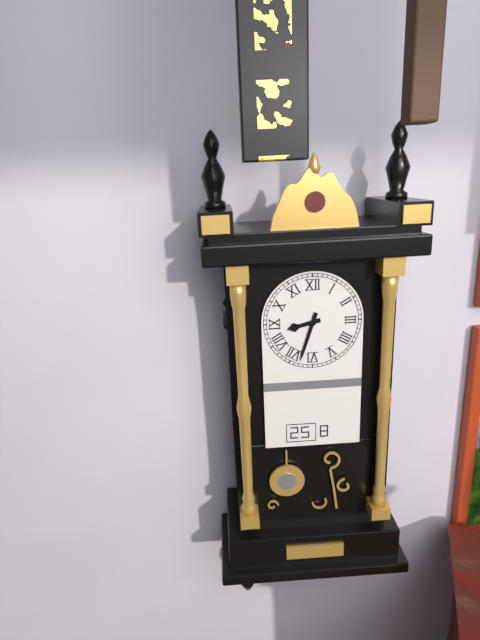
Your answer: **8:33**
